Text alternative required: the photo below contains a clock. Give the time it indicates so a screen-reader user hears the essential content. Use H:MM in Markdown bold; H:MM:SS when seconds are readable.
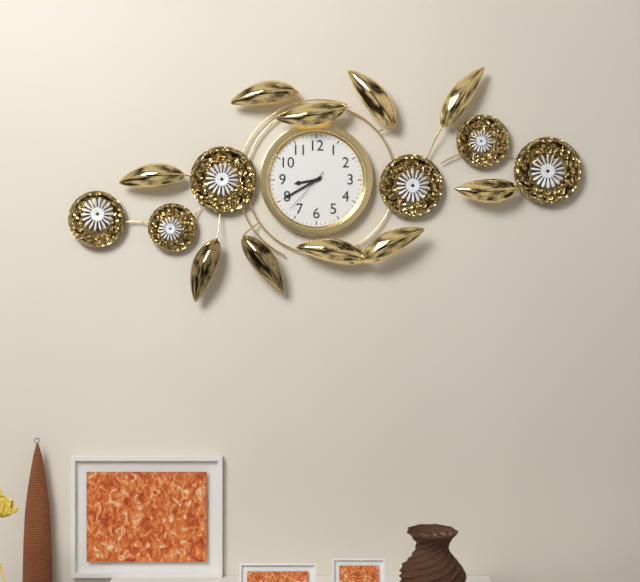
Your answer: **8:40:37**
